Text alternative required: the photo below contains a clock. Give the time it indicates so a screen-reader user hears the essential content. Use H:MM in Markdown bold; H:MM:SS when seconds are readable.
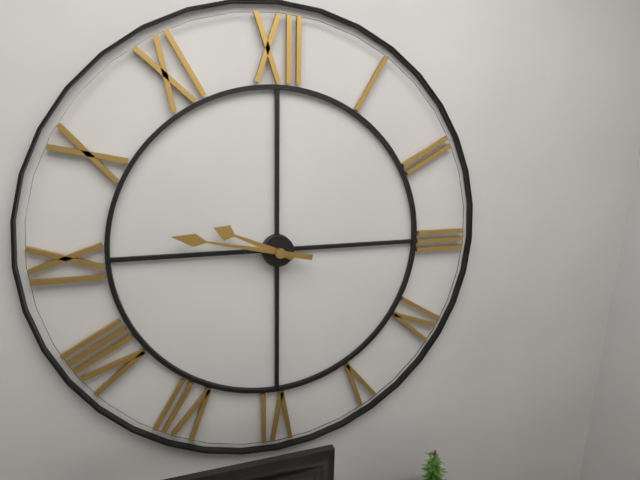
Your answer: **9:47**
